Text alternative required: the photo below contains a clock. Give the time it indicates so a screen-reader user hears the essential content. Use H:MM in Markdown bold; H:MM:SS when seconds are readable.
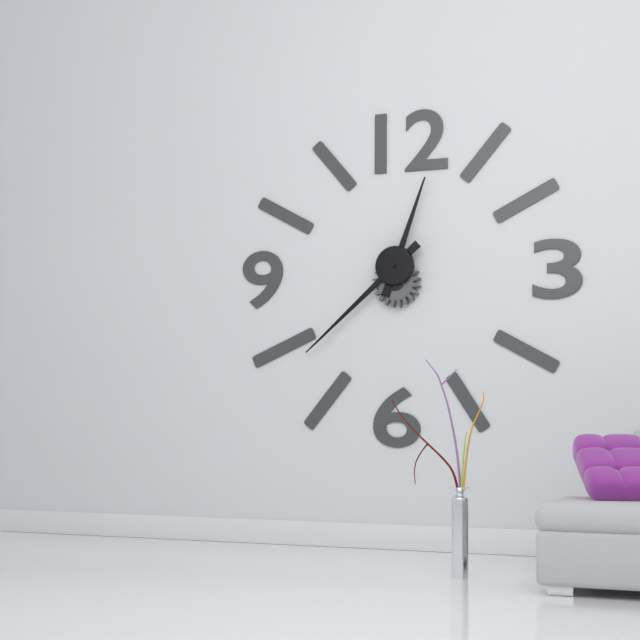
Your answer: **12:38**
